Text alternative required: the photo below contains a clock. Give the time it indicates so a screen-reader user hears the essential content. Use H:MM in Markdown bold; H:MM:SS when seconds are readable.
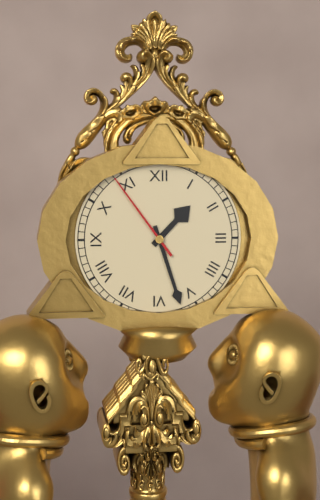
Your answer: **1:27:54**
